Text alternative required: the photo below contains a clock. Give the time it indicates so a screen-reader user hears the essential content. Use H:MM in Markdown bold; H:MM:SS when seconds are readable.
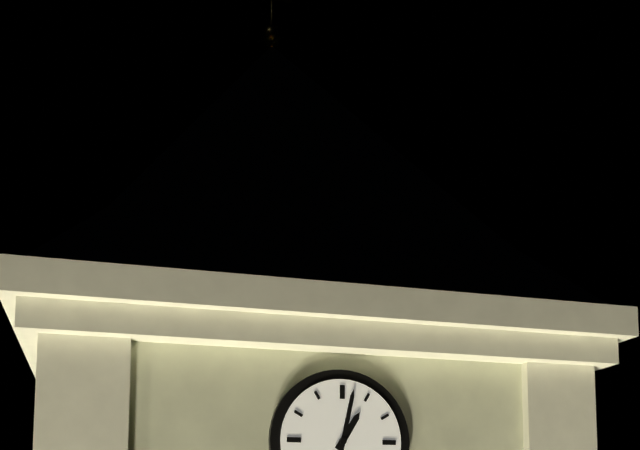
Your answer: **1:02**
